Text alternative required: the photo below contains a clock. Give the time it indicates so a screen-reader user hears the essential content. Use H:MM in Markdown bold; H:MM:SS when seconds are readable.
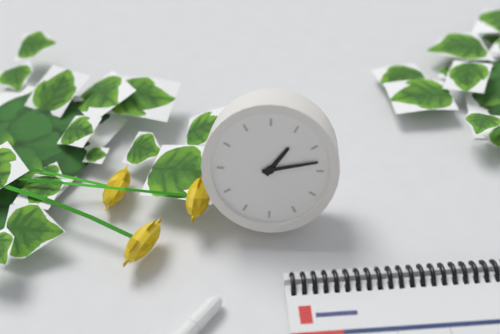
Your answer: **1:13**
